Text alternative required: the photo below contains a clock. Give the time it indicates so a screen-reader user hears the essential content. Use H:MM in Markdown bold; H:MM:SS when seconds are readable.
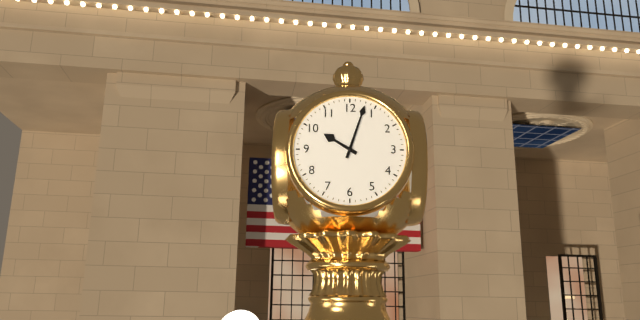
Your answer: **10:03**
